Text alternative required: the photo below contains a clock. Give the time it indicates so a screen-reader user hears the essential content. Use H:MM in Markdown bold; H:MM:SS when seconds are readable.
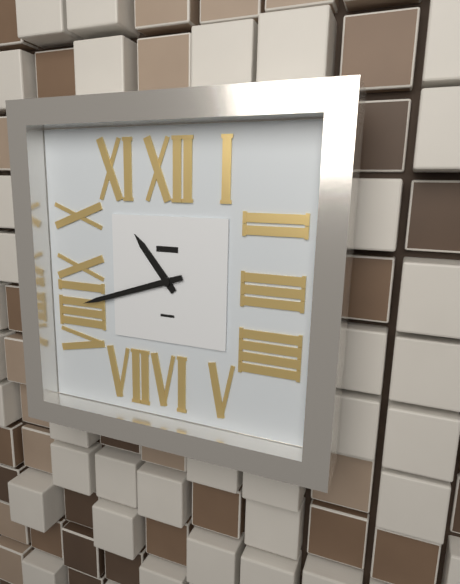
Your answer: **10:42**
